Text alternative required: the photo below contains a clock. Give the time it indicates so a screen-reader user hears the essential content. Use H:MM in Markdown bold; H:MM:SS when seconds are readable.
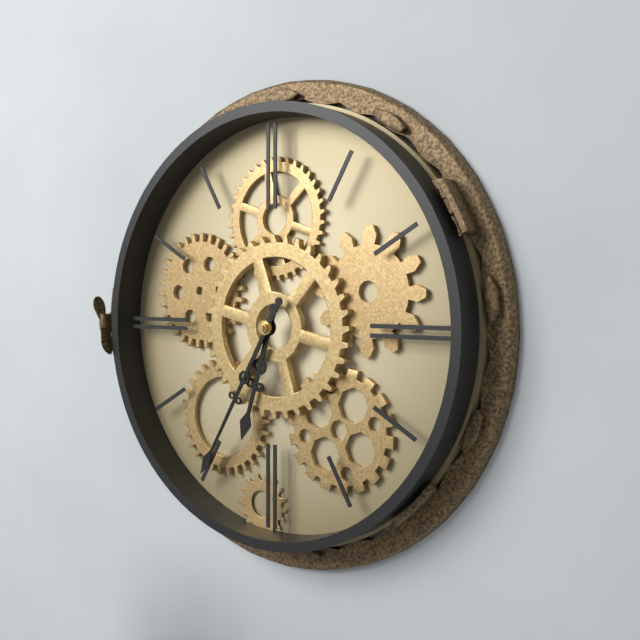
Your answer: **6:35**
